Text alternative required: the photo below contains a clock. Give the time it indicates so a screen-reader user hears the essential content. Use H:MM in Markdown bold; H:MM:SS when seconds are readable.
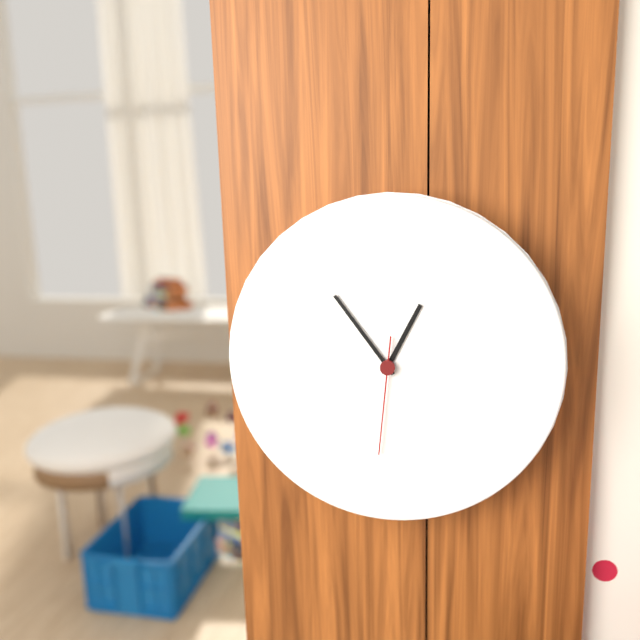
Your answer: **12:54:31**
